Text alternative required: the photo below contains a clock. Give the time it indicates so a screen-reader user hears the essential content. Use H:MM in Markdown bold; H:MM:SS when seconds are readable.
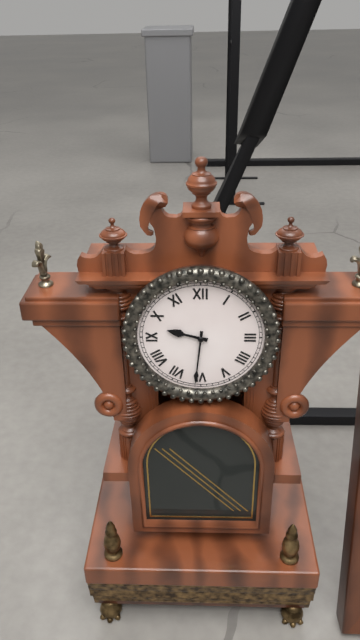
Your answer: **9:31**
